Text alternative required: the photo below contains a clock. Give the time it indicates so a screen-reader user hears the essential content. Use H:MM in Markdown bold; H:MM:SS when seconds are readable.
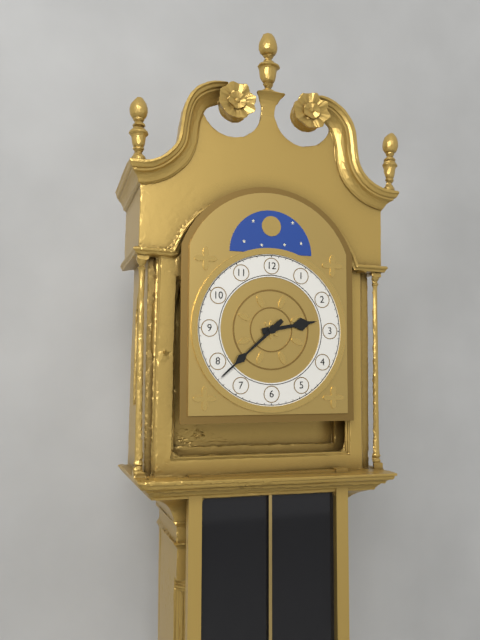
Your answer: **2:38**
